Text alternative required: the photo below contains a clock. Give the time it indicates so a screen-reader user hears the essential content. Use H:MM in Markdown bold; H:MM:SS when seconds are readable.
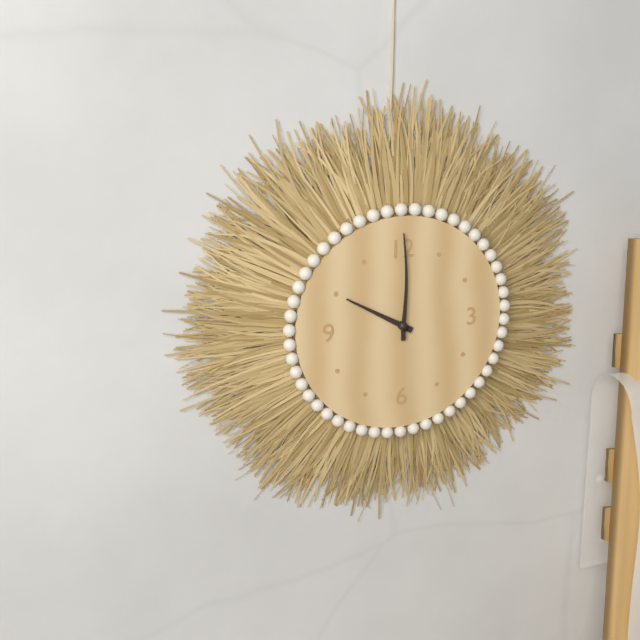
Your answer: **10:00**
